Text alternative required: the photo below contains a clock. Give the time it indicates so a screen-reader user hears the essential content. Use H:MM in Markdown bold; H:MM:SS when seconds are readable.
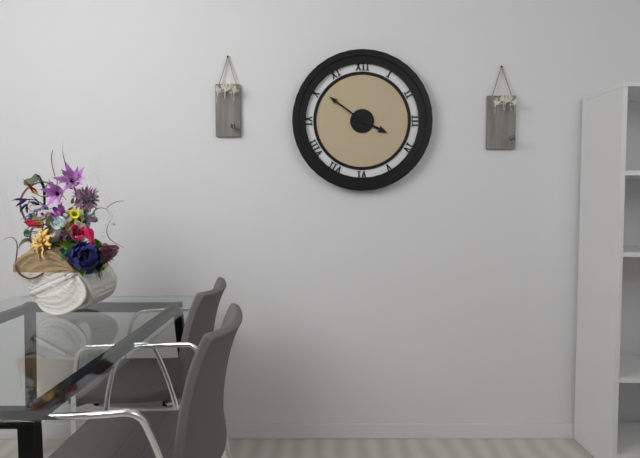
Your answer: **3:51**
